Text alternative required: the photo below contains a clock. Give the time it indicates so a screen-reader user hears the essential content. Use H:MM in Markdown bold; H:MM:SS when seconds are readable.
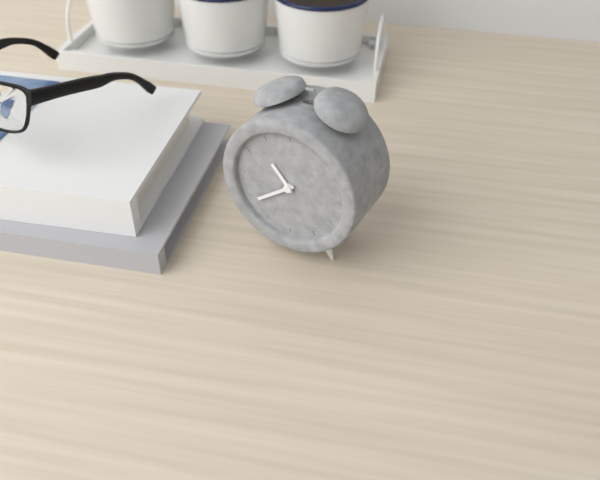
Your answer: **10:39**
